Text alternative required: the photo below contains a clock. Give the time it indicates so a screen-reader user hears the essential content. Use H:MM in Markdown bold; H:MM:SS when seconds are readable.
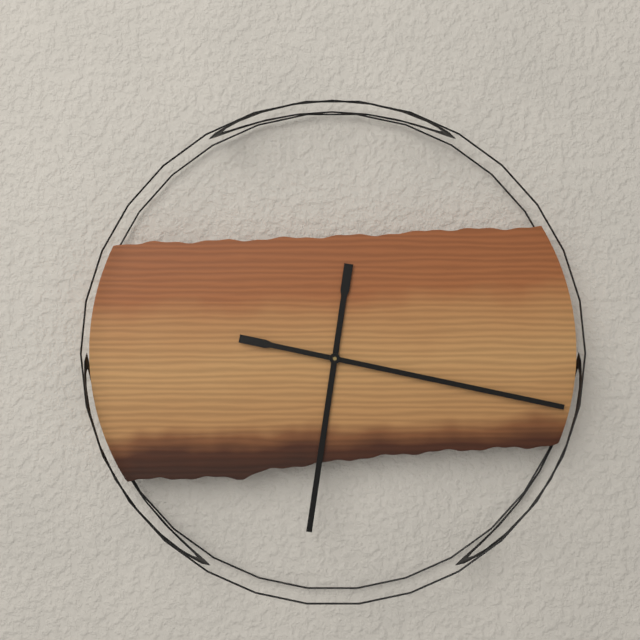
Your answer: **6:17**
